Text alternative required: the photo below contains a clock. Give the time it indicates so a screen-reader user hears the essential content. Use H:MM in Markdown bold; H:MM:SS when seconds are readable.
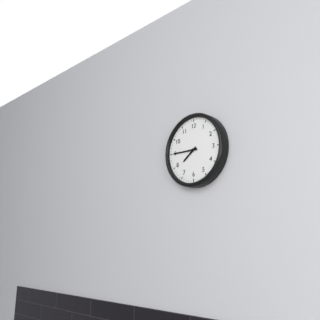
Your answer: **7:45**
